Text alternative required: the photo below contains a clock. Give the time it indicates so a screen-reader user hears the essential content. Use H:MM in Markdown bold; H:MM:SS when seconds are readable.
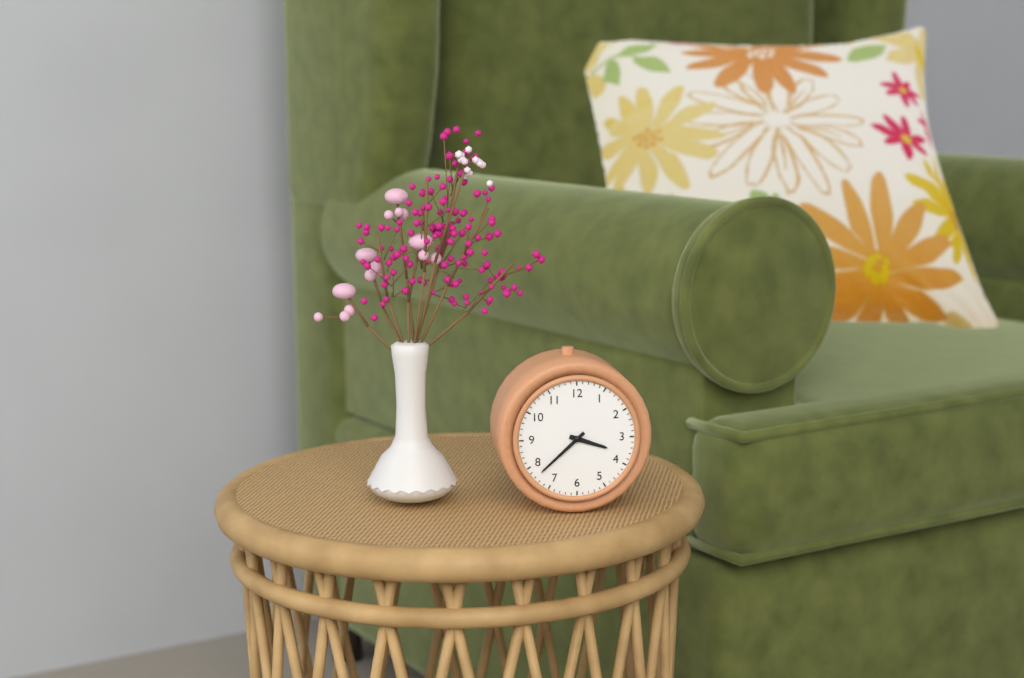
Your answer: **3:38**
